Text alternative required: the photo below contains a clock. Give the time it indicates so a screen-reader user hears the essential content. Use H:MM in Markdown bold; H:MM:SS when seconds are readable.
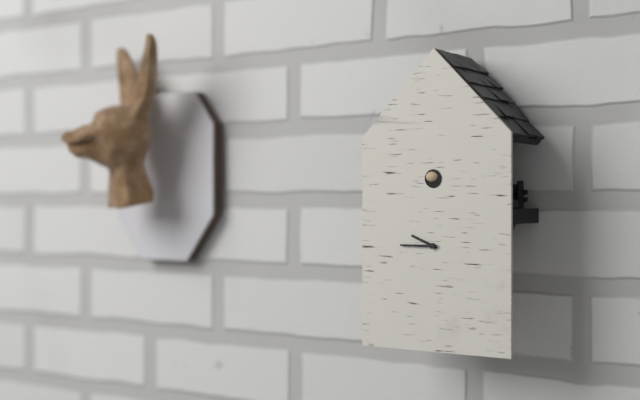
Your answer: **9:45**
